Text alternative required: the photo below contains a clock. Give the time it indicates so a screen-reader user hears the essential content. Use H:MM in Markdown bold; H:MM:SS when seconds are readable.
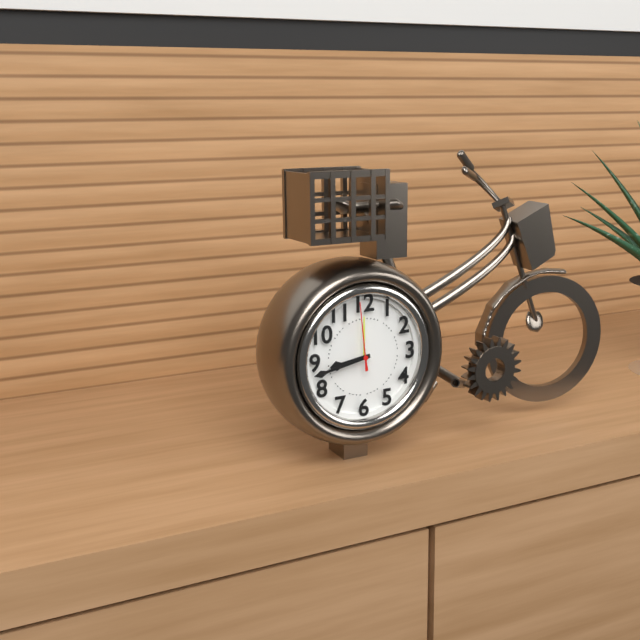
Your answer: **8:43:59**
